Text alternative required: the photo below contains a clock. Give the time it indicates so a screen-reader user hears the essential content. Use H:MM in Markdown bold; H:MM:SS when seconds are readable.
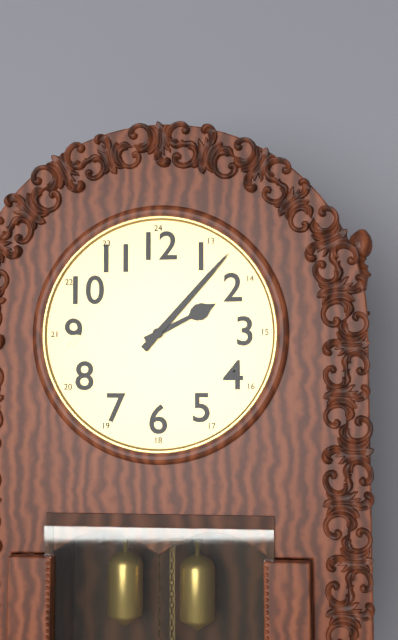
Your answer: **2:07**
